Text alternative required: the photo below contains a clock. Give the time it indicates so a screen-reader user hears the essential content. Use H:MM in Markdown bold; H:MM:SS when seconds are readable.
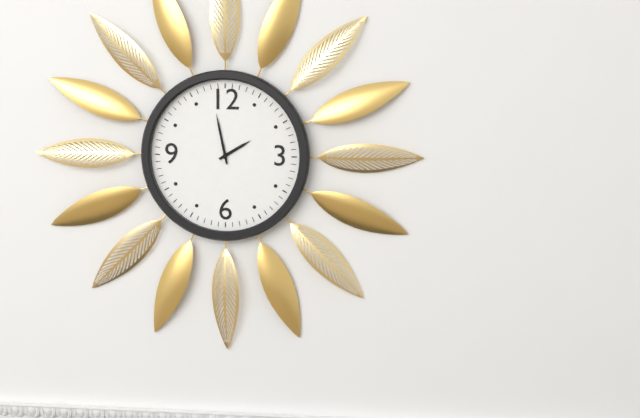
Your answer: **1:58**
